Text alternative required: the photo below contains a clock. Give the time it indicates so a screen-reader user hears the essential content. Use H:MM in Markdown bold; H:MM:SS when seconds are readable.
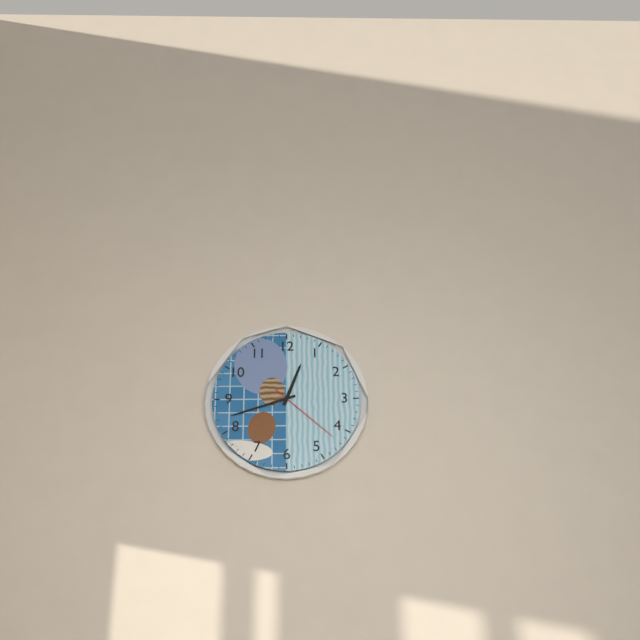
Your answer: **12:42:22**
